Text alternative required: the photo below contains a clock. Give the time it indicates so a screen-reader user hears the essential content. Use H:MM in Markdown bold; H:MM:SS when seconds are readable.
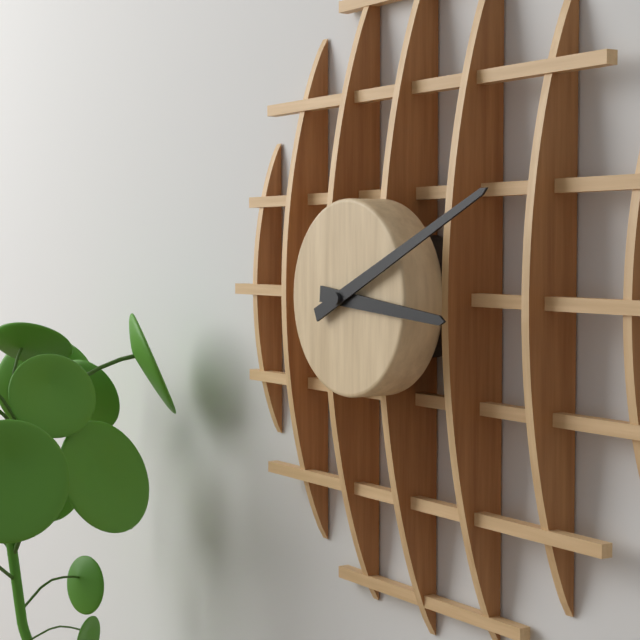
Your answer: **3:11**
